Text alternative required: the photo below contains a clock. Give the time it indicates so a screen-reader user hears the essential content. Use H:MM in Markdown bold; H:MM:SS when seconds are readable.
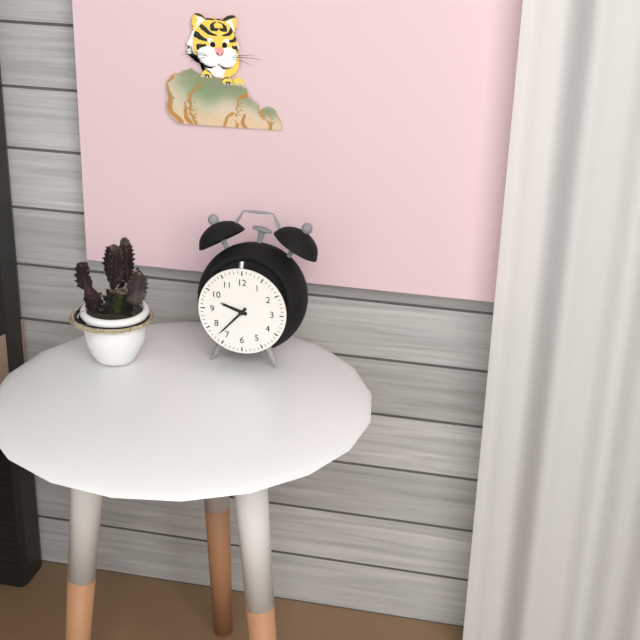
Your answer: **9:37**
